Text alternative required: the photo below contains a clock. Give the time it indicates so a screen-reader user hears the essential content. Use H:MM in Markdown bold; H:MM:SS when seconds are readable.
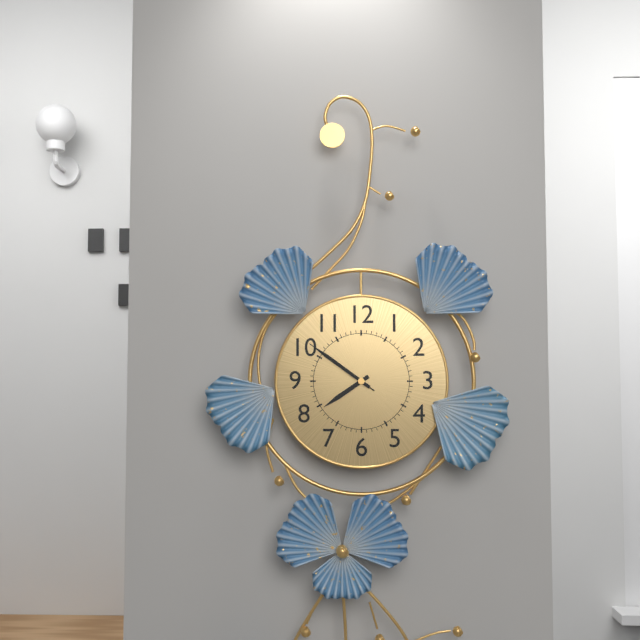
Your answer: **7:51:51**
